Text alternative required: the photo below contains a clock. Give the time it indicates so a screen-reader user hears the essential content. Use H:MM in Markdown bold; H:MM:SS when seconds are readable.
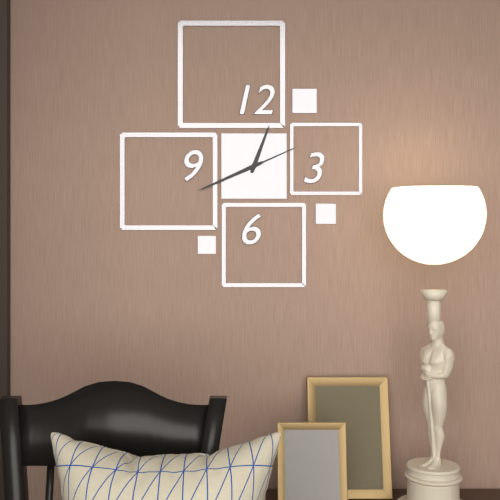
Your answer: **12:41:11**
